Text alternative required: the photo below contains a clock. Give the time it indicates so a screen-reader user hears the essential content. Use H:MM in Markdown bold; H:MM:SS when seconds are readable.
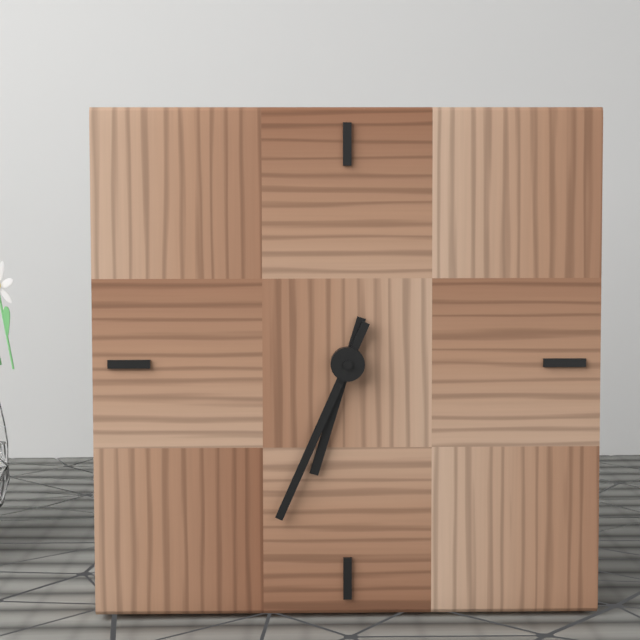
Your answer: **6:34**
